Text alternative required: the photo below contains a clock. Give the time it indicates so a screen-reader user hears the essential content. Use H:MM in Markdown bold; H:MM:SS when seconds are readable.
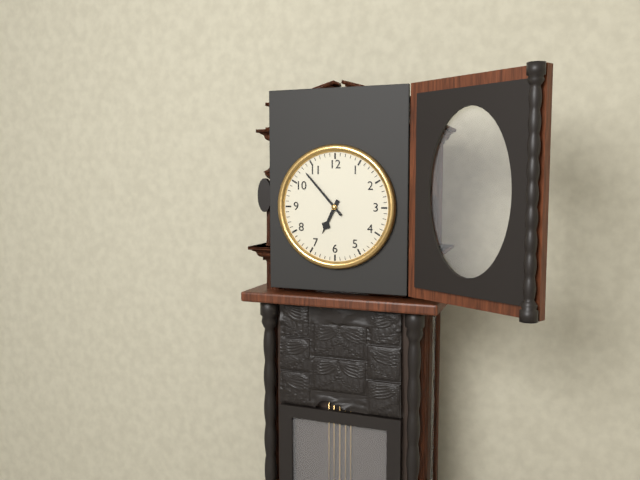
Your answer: **6:53**
